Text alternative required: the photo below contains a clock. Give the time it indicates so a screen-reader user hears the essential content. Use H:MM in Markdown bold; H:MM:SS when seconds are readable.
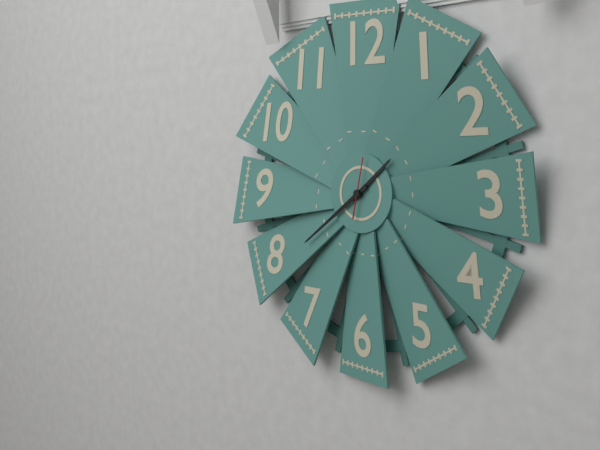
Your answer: **1:39**
